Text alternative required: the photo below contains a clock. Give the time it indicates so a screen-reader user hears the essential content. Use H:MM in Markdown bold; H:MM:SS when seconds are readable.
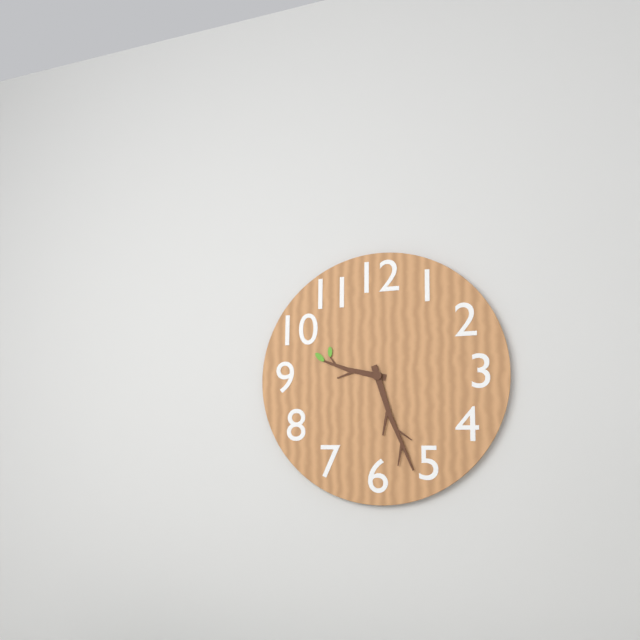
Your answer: **9:27**
